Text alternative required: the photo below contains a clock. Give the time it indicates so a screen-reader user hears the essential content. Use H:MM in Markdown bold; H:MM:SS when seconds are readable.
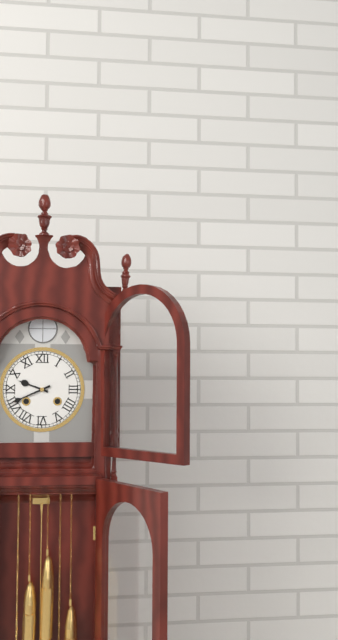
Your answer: **9:41**
